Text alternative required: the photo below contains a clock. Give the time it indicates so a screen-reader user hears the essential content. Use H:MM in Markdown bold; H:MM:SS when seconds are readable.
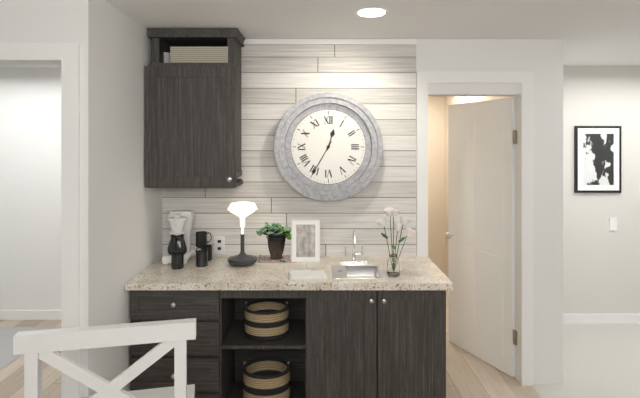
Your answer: **12:35**
